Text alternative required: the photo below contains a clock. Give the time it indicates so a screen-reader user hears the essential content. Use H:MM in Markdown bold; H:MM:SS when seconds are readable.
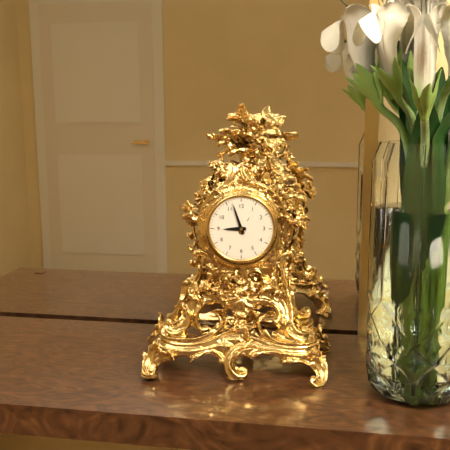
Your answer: **8:57**
